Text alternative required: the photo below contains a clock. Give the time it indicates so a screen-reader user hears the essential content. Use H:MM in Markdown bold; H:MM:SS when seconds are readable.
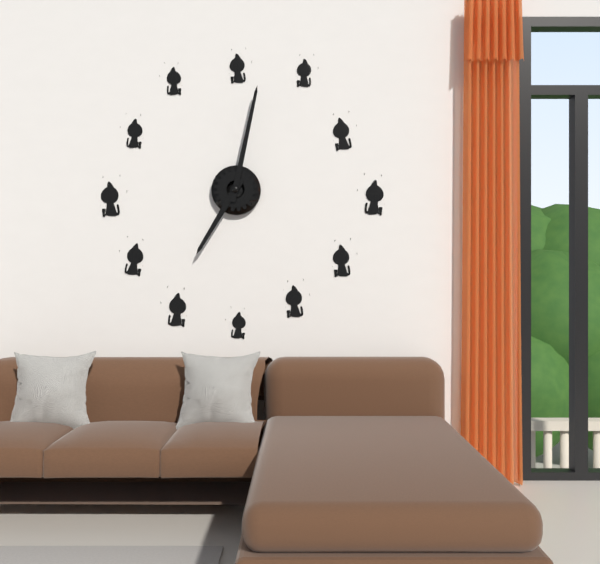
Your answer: **7:02**
